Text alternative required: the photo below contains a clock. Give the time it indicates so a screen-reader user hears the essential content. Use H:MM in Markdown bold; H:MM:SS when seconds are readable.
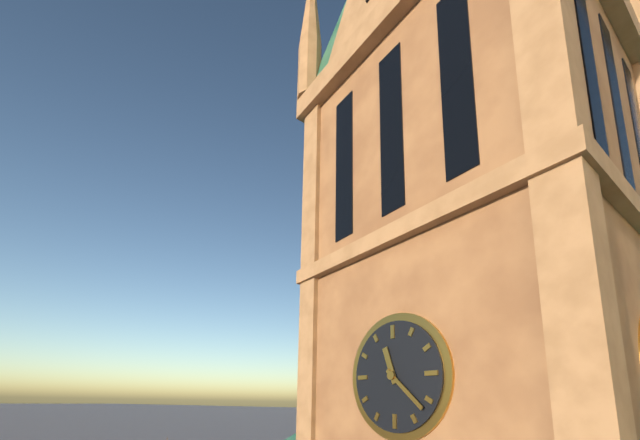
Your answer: **11:22**
